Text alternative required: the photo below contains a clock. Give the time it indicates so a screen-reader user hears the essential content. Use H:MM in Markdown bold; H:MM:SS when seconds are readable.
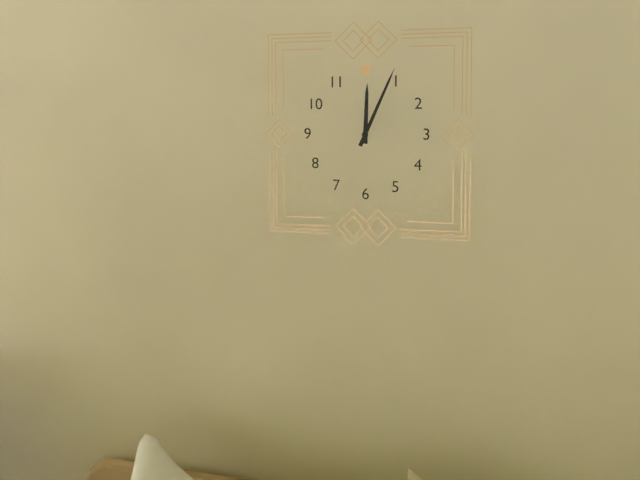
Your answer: **12:04**
